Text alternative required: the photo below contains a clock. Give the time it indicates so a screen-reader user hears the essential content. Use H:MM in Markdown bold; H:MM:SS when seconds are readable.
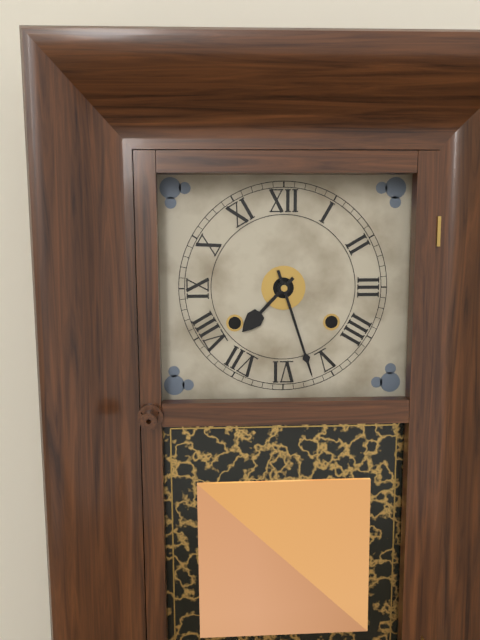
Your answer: **7:27**
